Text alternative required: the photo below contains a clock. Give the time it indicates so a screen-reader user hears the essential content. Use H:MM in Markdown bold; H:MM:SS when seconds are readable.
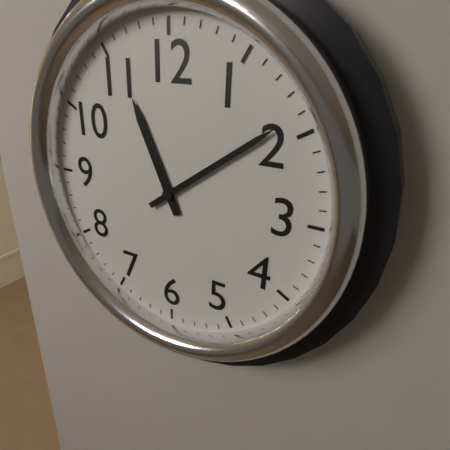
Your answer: **11:09**
